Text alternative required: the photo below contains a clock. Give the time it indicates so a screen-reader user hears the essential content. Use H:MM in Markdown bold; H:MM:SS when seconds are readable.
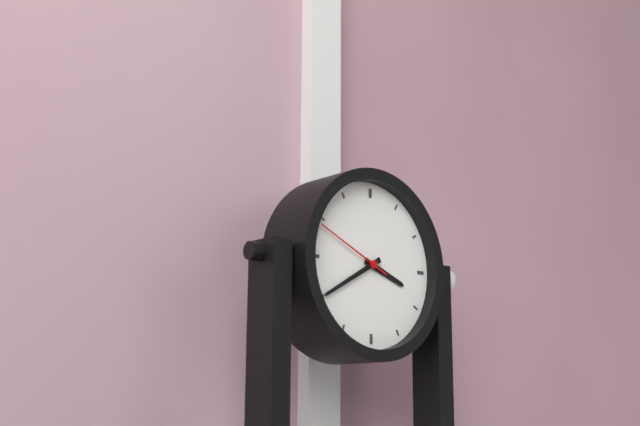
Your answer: **3:40:49**
